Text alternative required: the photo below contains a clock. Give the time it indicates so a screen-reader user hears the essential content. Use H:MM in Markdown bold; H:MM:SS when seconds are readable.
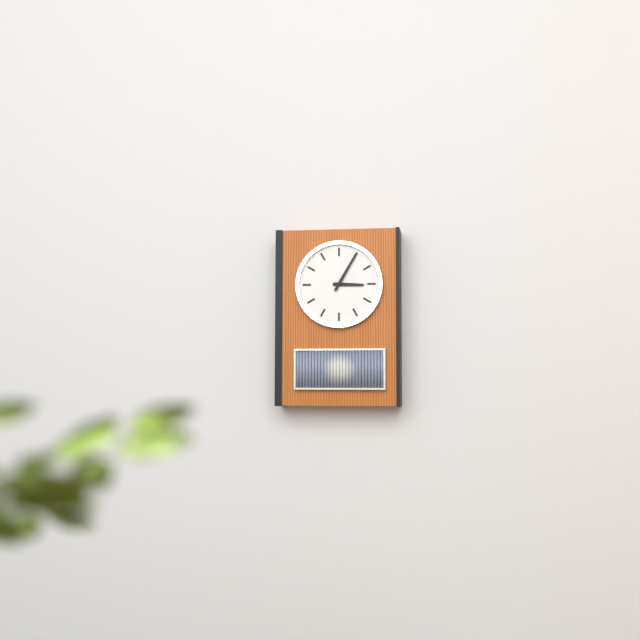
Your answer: **3:05**
